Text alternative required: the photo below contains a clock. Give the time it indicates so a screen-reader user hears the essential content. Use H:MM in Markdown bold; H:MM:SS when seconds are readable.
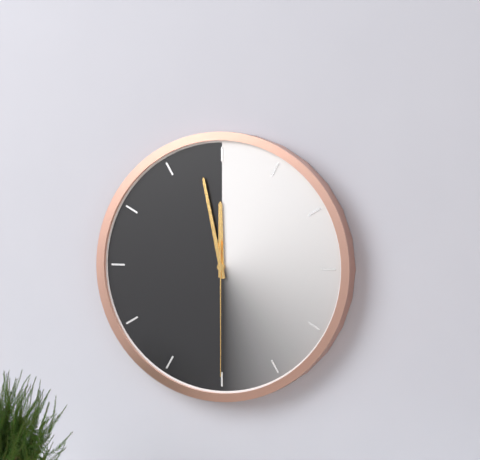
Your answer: **11:58:30**
